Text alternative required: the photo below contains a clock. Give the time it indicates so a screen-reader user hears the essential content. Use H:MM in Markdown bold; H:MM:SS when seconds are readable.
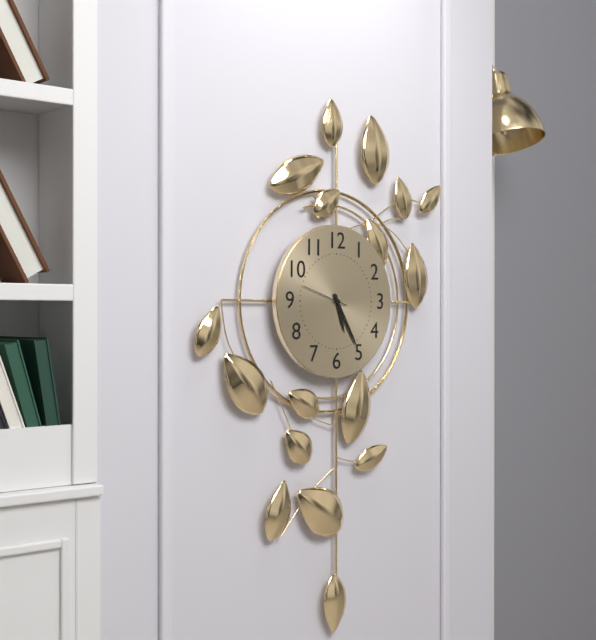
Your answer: **5:25**
